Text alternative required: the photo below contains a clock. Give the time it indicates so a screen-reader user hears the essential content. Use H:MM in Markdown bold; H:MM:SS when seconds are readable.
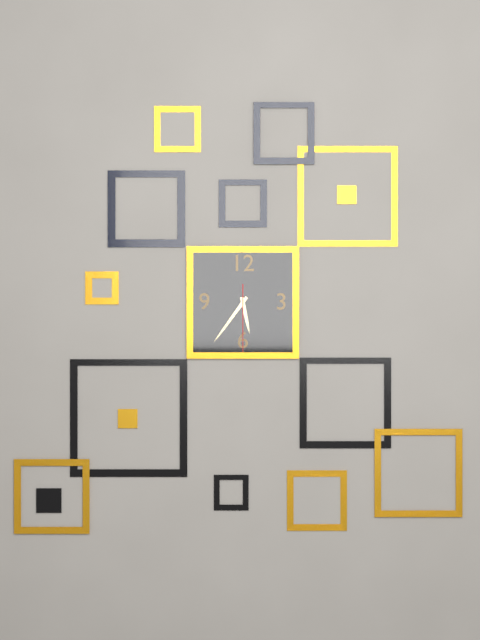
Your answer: **5:36:30**
